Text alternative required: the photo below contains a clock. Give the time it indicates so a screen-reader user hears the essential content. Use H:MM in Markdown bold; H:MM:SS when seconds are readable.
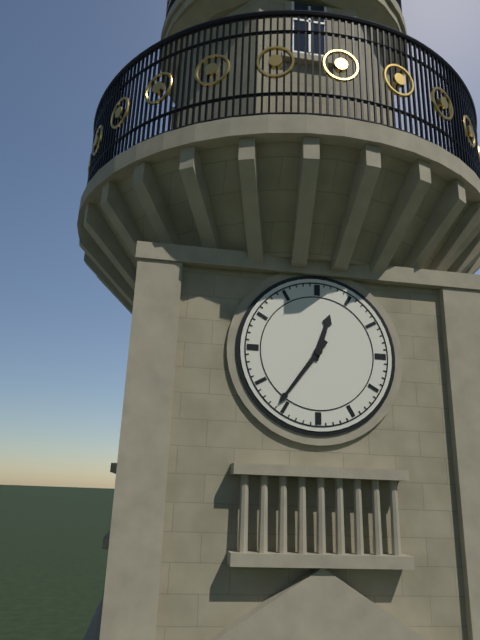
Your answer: **12:36**
